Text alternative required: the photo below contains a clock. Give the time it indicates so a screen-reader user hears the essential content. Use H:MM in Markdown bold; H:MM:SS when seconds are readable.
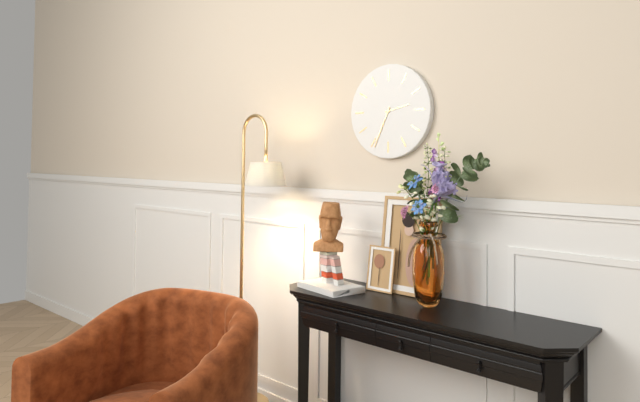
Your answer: **2:34**
